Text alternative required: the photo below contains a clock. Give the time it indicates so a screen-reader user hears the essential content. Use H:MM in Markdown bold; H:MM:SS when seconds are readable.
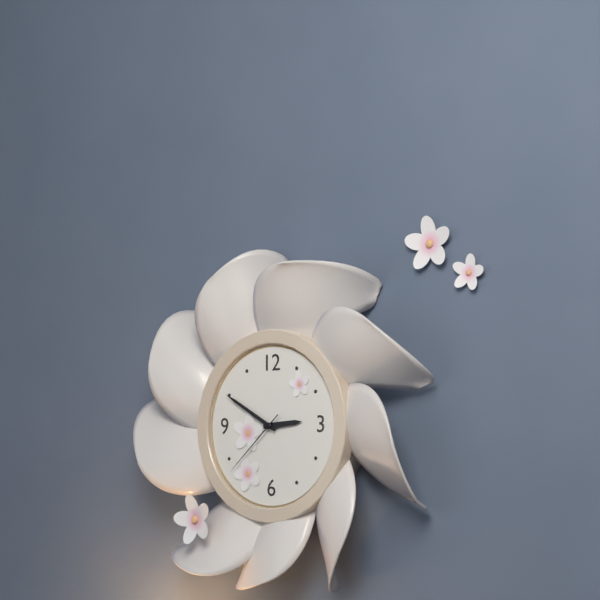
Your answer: **2:50:38**
